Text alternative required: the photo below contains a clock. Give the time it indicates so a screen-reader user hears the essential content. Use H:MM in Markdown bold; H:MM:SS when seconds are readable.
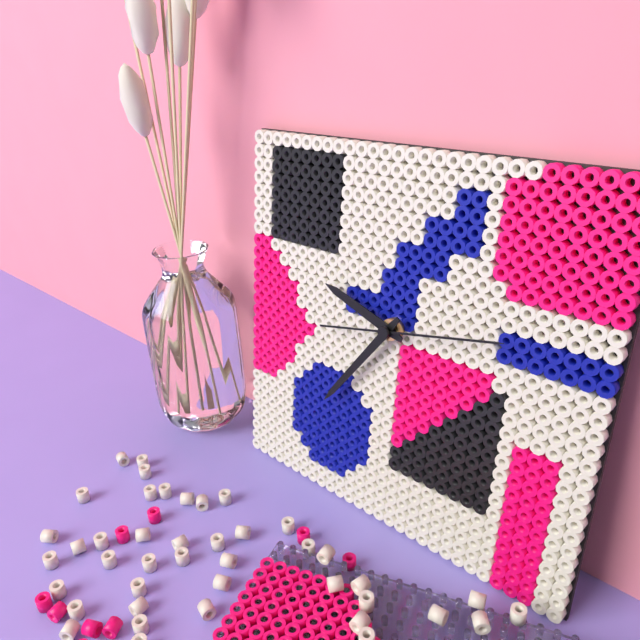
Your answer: **9:36:13**
